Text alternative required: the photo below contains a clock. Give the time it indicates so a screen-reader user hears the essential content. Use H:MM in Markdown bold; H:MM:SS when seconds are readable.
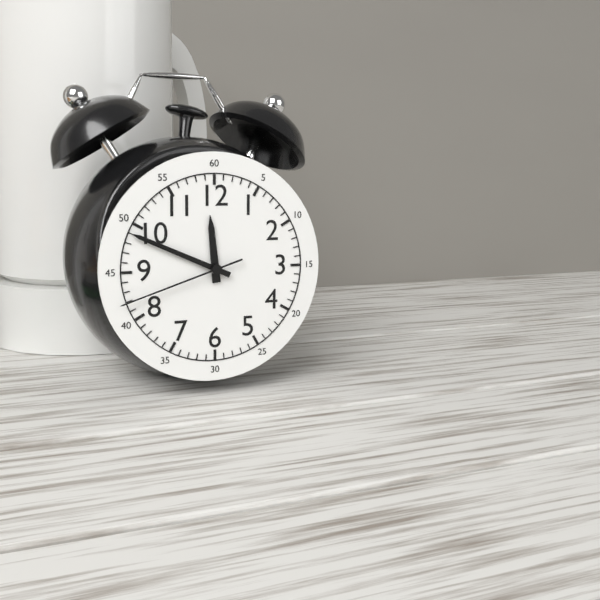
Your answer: **11:49:42**
